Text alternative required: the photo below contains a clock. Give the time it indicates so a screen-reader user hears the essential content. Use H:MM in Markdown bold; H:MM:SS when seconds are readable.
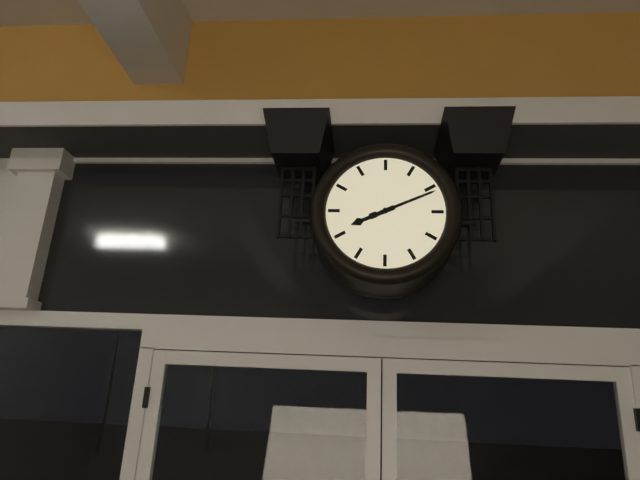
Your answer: **8:11**
